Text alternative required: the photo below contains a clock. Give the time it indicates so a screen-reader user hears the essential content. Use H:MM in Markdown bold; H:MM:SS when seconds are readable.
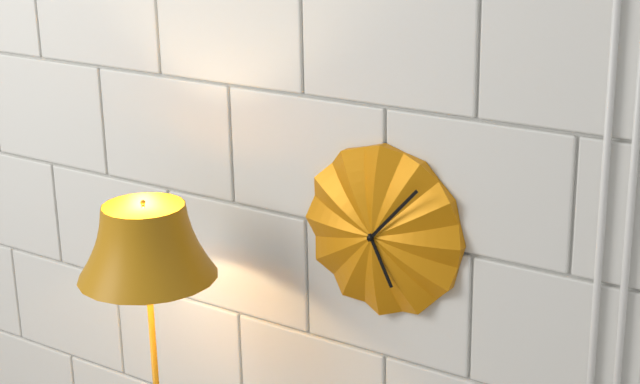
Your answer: **5:07**
